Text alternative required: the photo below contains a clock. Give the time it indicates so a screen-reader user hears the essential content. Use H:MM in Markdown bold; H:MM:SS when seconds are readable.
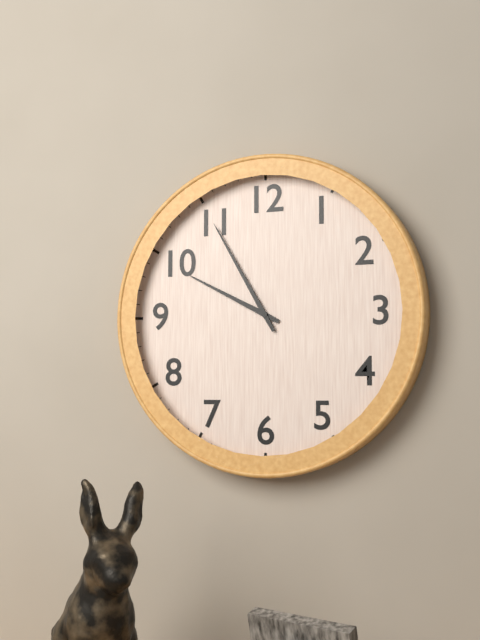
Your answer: **9:55**
